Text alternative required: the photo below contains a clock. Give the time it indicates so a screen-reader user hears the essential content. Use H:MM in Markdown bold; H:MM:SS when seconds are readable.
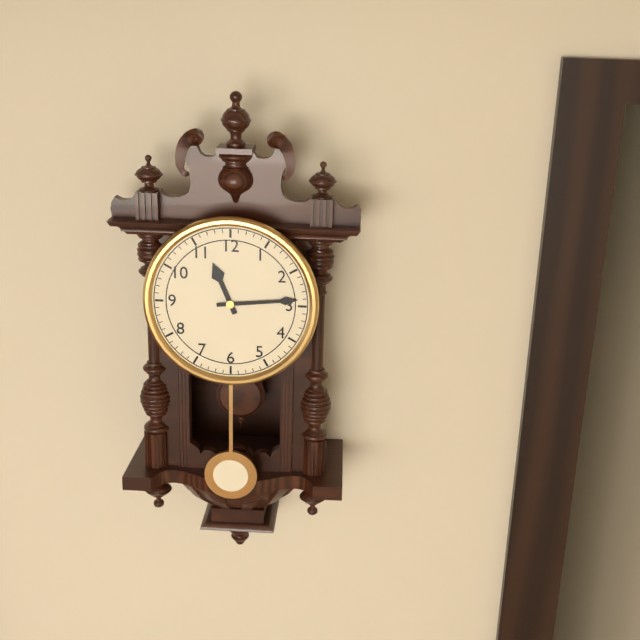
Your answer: **11:14**
